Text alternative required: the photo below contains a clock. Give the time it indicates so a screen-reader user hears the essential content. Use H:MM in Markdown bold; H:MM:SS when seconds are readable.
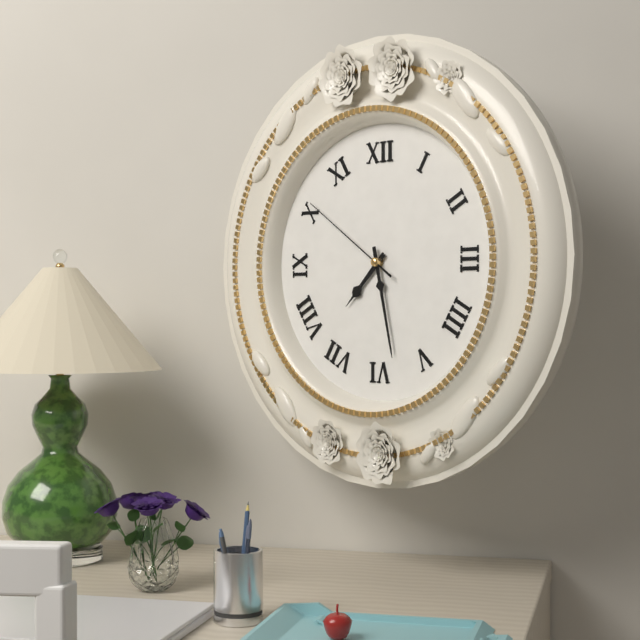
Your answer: **7:28:51**
